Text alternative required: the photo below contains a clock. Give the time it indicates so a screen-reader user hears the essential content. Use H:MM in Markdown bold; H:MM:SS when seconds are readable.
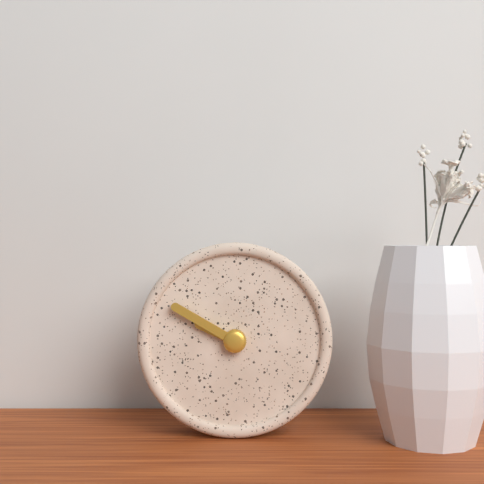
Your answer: **9:50**
